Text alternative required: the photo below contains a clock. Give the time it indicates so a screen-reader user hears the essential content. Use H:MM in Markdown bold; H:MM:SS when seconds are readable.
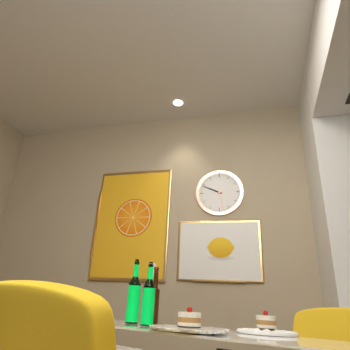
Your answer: **9:49**
